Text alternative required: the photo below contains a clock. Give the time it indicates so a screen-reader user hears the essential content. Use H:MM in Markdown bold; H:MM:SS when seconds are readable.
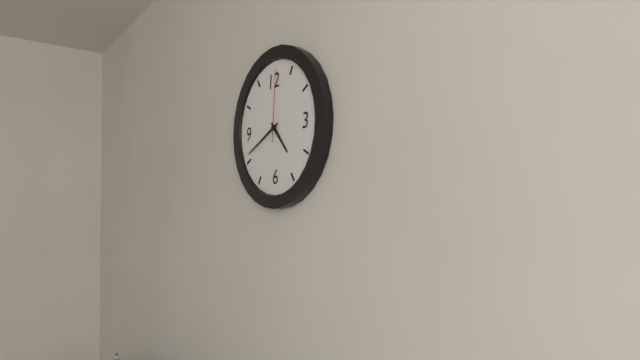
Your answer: **4:41:01**
